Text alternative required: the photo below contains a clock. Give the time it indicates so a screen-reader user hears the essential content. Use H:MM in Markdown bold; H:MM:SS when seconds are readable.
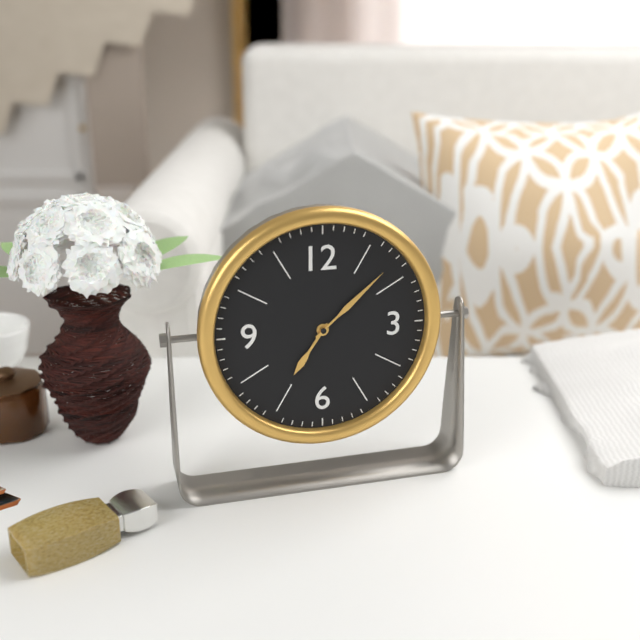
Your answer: **7:08**
